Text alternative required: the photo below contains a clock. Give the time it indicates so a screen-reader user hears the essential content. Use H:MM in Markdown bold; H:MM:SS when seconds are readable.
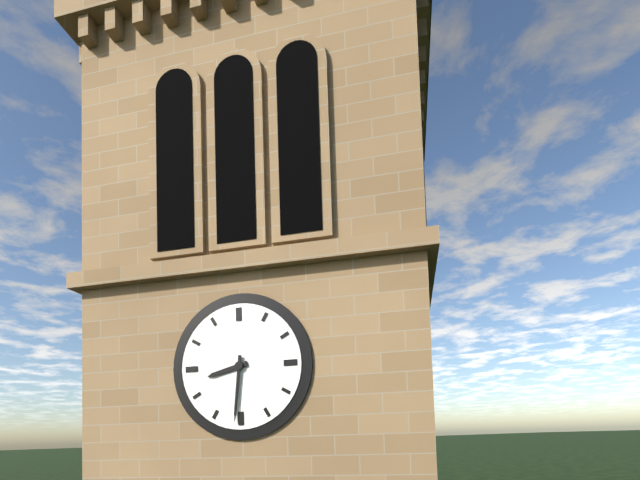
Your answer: **8:31**
